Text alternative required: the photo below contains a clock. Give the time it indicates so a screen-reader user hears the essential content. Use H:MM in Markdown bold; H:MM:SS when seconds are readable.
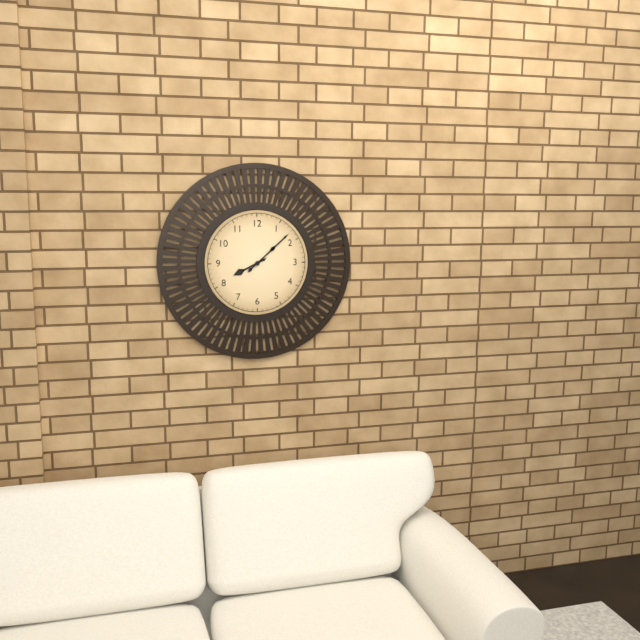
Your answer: **8:08**
